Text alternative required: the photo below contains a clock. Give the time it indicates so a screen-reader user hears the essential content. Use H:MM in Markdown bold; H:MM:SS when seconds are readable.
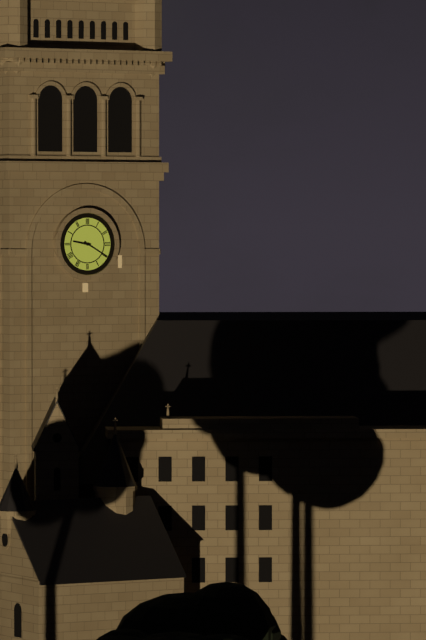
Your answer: **9:20**
